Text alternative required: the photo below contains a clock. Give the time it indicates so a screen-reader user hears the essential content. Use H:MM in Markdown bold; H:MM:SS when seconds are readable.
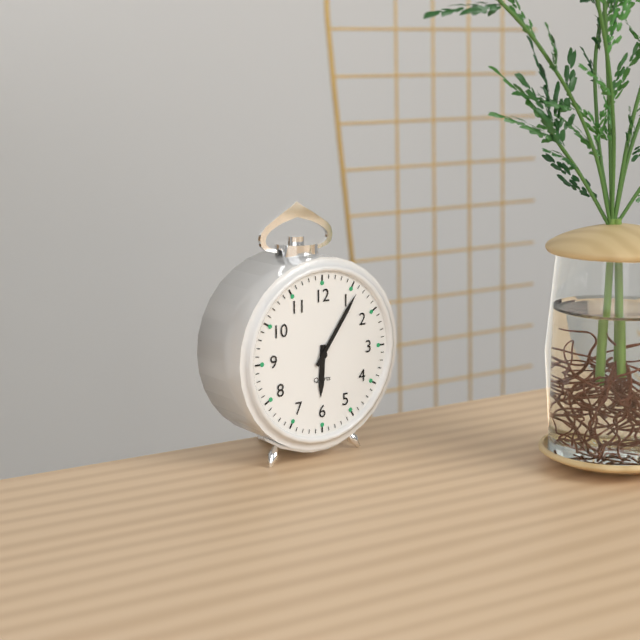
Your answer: **6:06**
